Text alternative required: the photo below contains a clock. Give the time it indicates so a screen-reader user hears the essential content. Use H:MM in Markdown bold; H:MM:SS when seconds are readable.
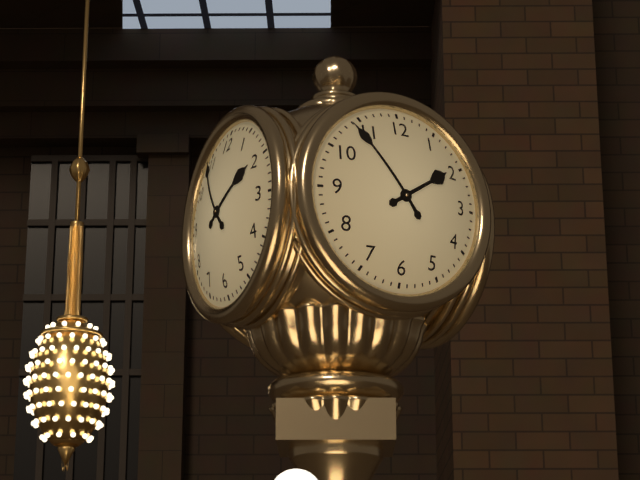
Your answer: **1:54**
